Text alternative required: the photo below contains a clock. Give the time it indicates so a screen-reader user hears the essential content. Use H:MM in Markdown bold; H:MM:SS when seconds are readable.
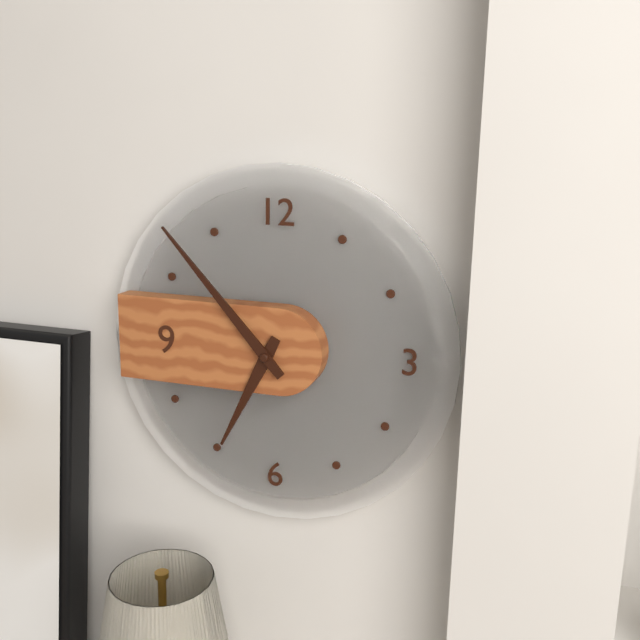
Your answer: **6:53**
